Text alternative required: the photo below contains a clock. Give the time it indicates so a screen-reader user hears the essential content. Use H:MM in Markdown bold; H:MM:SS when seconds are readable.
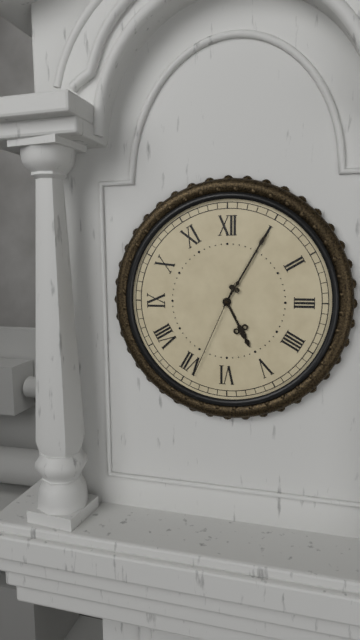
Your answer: **5:05:34**
